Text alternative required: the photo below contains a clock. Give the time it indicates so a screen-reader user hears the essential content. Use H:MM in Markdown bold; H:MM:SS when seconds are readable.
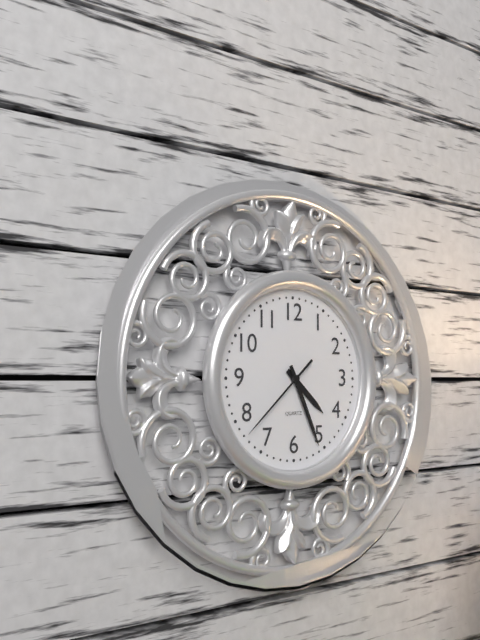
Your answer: **4:26:38**
